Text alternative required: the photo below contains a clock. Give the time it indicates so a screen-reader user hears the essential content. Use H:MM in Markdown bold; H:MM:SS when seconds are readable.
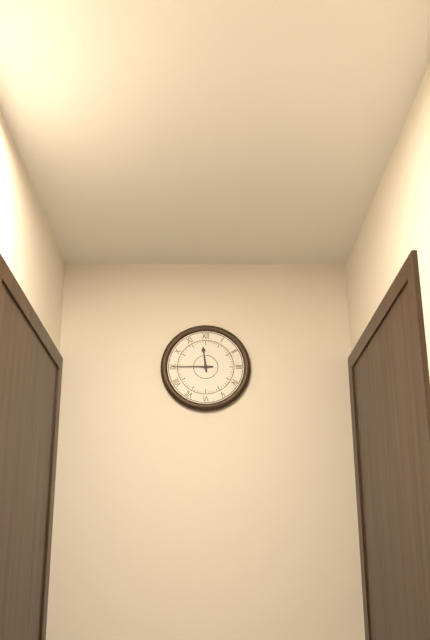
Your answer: **11:45**
